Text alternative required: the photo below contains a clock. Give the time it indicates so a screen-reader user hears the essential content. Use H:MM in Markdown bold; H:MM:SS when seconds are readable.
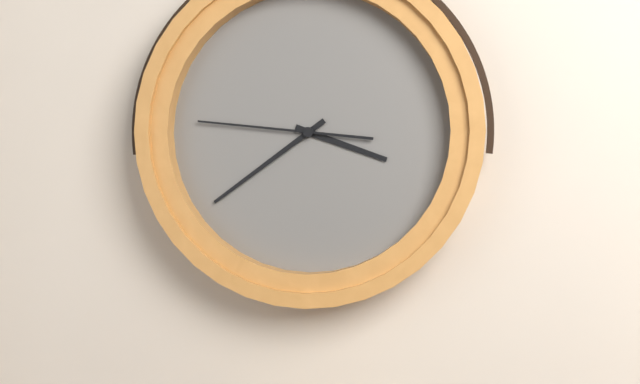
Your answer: **3:39:46**
